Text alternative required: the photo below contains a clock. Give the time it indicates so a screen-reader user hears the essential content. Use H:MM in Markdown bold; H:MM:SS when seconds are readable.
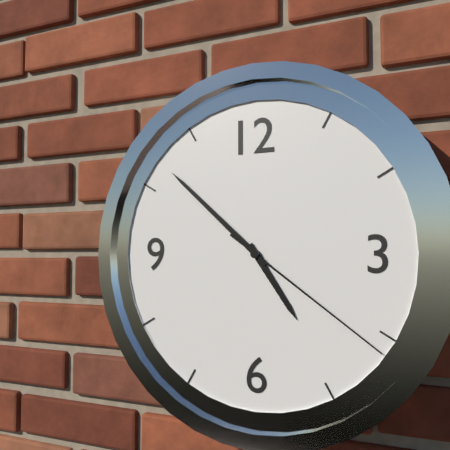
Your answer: **4:52:21**
